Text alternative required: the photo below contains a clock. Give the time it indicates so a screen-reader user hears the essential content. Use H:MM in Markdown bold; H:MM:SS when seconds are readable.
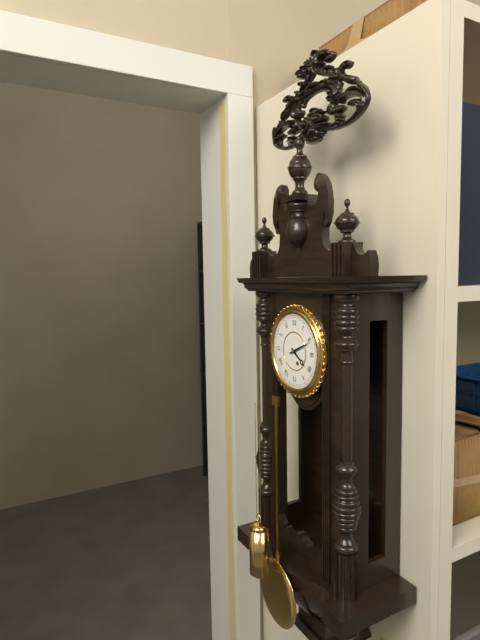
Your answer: **4:11**
